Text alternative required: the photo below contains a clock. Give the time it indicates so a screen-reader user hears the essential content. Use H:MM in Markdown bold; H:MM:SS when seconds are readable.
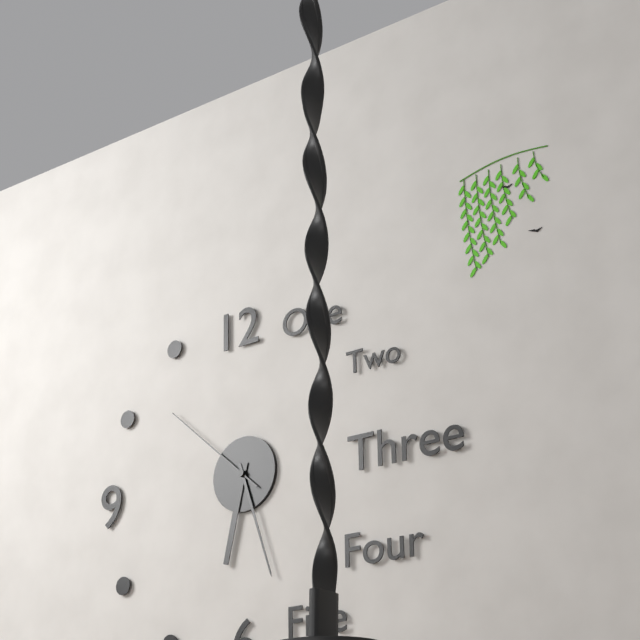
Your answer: **6:27:52**
